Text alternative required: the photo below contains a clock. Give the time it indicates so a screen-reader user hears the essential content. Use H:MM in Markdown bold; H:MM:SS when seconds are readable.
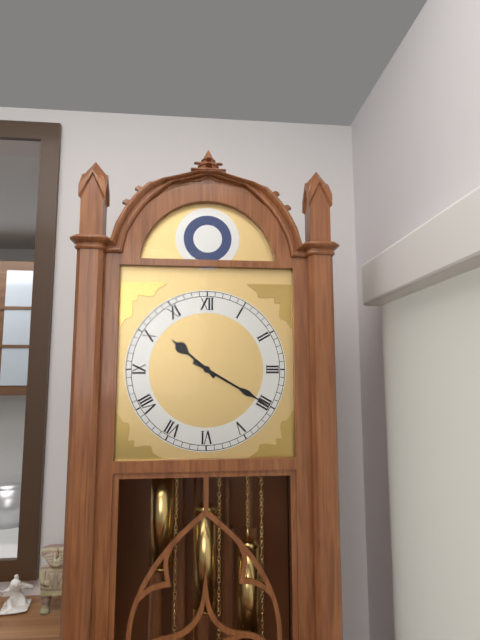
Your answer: **10:20**
